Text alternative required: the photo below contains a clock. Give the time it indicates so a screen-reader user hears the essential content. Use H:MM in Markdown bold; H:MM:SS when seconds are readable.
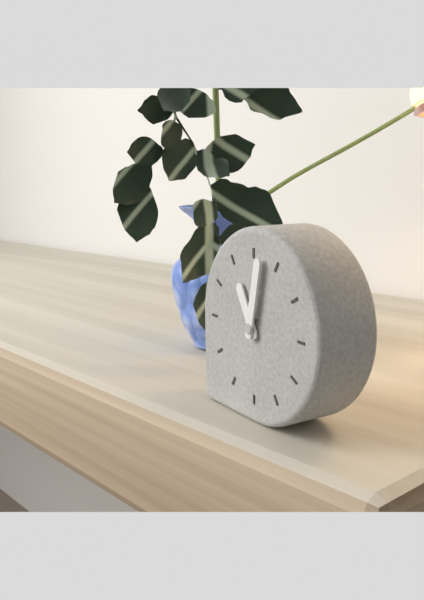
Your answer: **11:02**
